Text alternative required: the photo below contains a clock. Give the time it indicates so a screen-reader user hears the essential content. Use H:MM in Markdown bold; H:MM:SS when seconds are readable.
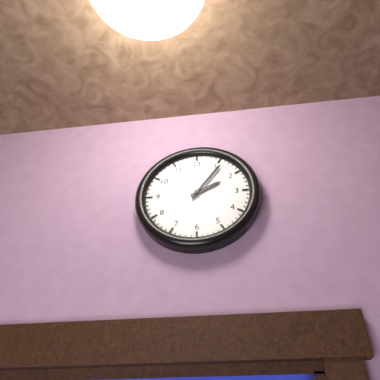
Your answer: **2:06**
